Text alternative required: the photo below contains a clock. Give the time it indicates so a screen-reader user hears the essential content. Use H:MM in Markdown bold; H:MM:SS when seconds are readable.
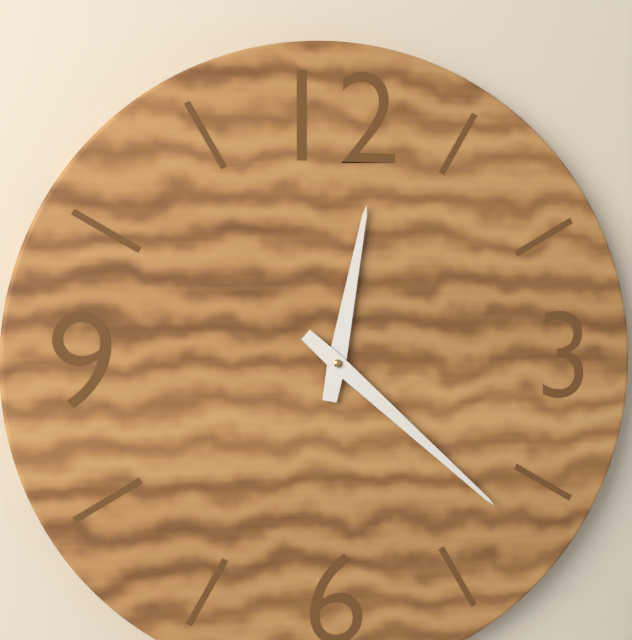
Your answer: **12:22**
